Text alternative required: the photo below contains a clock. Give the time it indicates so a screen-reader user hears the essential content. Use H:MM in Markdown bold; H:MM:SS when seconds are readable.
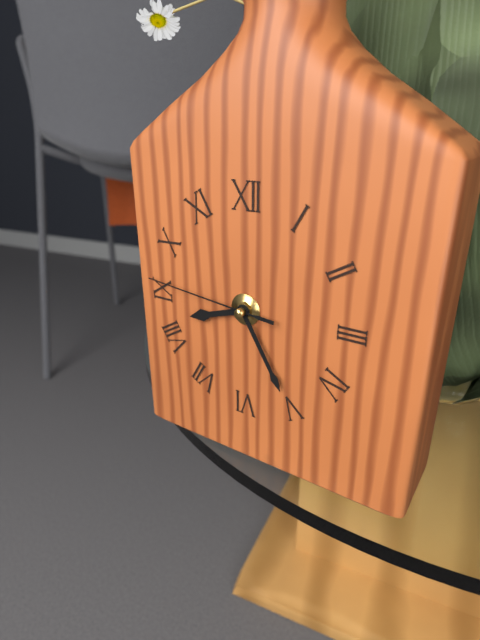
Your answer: **8:25:46**
